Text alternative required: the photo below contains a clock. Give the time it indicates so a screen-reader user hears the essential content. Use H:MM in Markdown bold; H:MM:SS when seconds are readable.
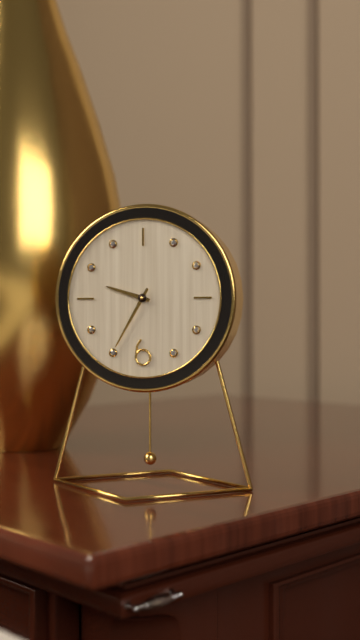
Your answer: **9:35**
